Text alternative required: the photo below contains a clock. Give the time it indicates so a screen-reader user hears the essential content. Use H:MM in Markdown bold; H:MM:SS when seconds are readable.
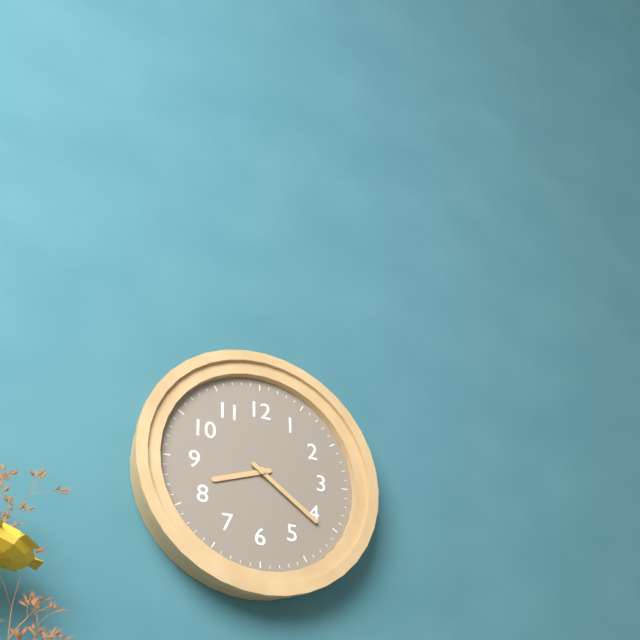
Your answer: **8:21**
